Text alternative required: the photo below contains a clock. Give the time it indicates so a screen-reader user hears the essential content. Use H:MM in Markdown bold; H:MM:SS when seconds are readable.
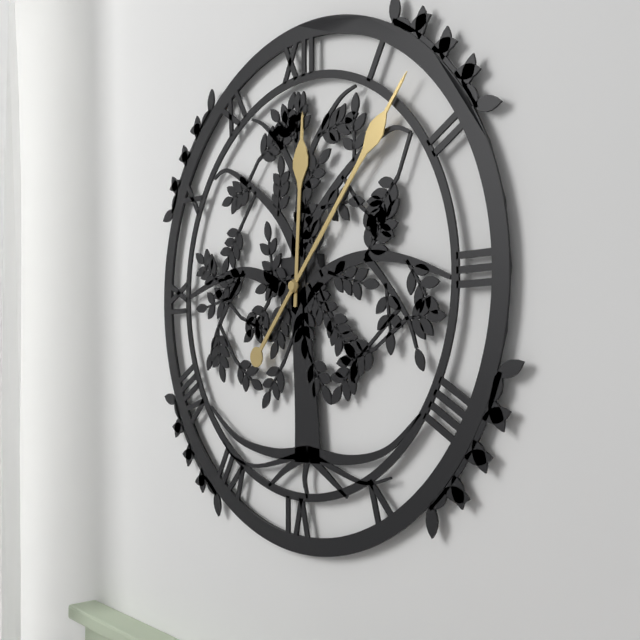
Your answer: **12:07**
